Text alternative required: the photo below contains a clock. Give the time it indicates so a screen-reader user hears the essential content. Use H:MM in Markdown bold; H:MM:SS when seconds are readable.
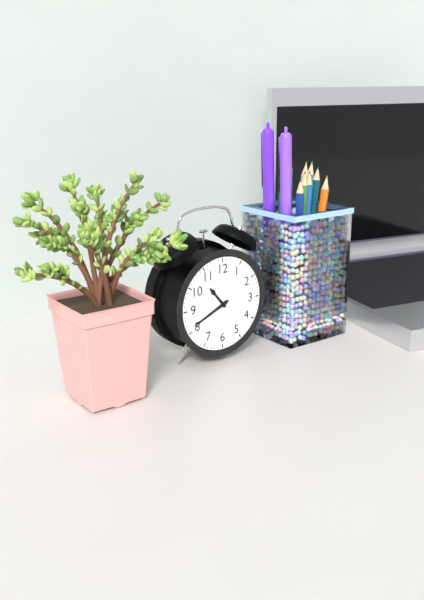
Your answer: **10:41**
